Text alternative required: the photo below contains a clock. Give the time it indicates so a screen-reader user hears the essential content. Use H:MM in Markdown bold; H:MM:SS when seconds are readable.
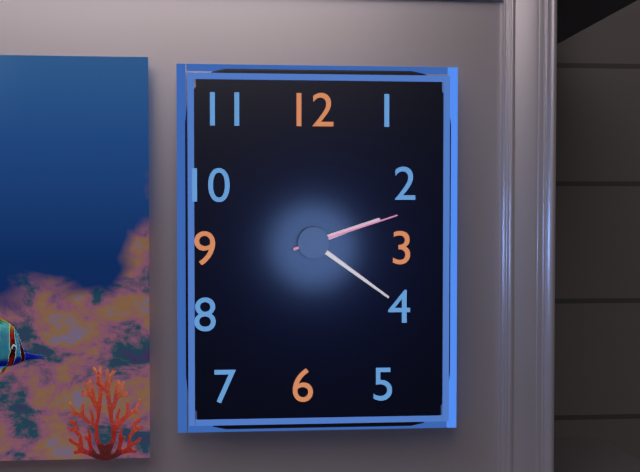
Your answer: **2:21:12**
